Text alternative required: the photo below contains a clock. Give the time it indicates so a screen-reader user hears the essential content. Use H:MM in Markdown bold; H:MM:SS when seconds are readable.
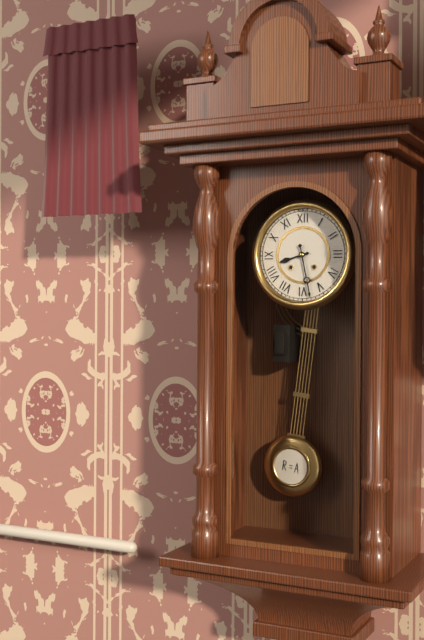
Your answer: **8:28**
